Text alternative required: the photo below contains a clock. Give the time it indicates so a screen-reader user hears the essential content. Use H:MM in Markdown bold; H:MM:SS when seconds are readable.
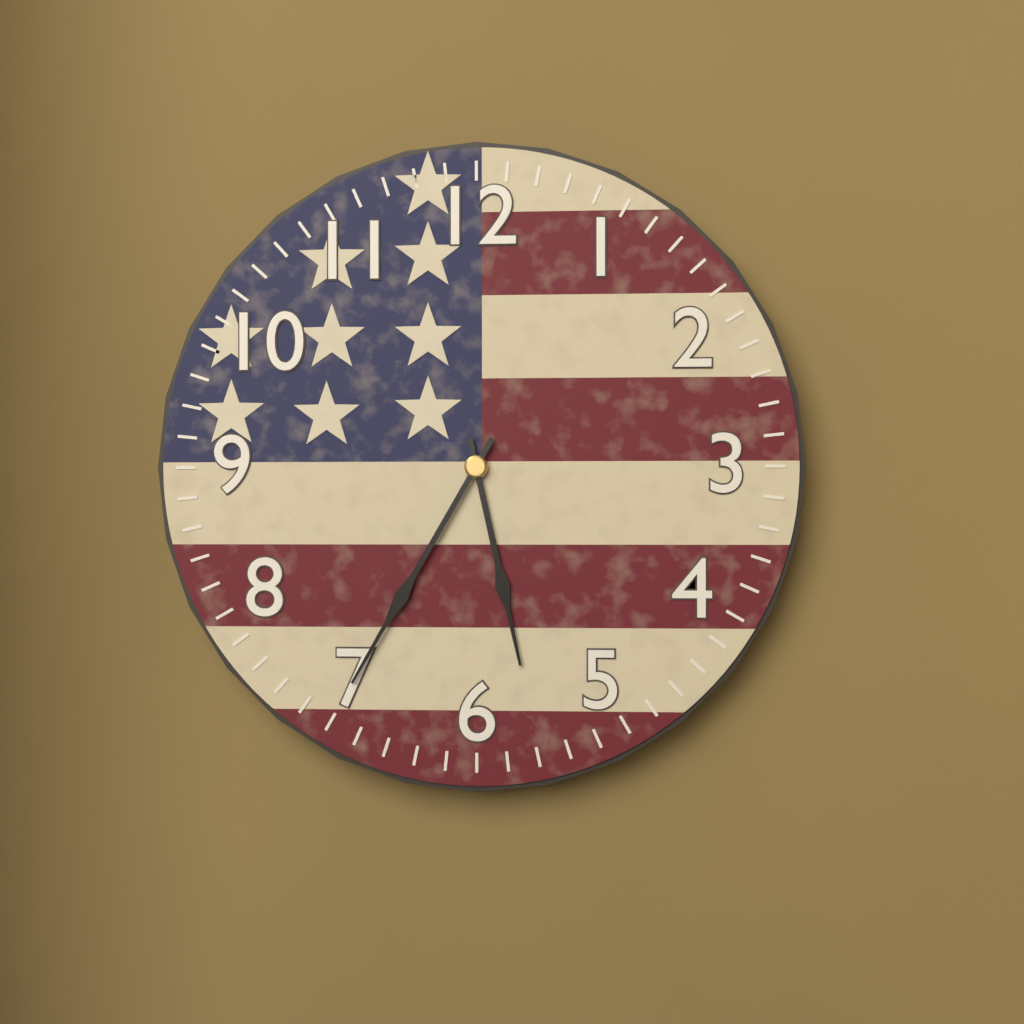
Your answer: **5:35**
